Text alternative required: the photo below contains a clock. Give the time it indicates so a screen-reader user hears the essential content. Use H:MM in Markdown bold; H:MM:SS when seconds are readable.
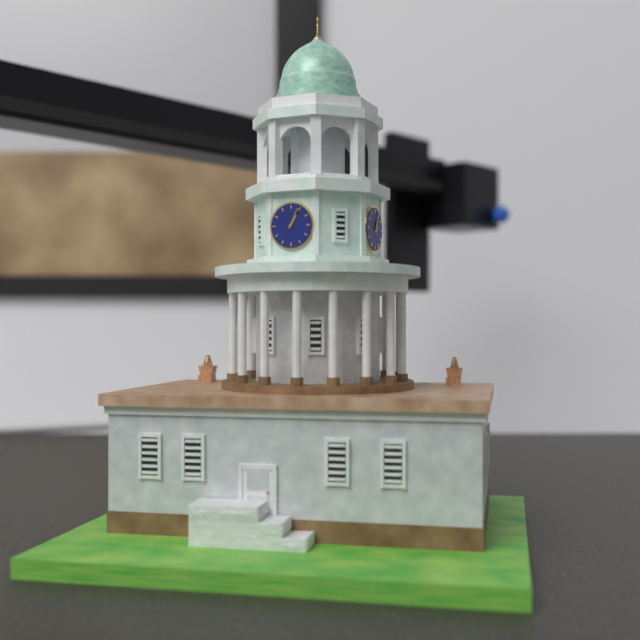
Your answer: **1:04**
